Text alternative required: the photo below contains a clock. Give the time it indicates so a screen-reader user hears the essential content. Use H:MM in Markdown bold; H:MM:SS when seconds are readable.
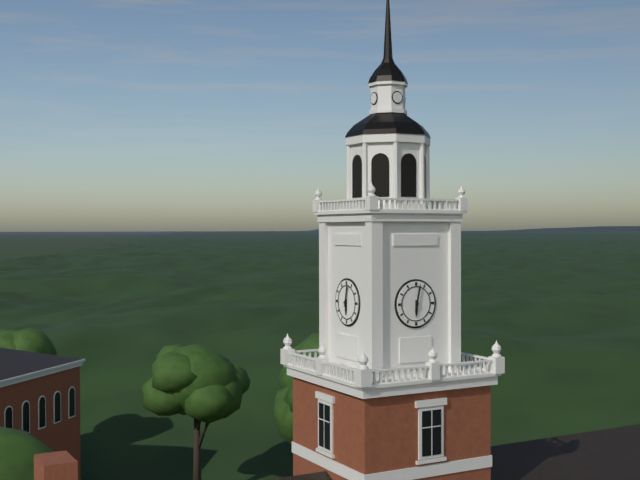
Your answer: **6:02**
